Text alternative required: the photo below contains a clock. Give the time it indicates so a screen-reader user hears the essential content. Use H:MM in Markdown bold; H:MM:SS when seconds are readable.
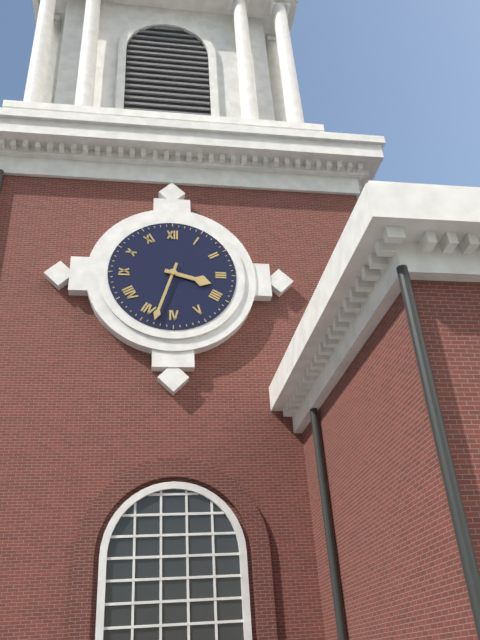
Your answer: **3:33**
